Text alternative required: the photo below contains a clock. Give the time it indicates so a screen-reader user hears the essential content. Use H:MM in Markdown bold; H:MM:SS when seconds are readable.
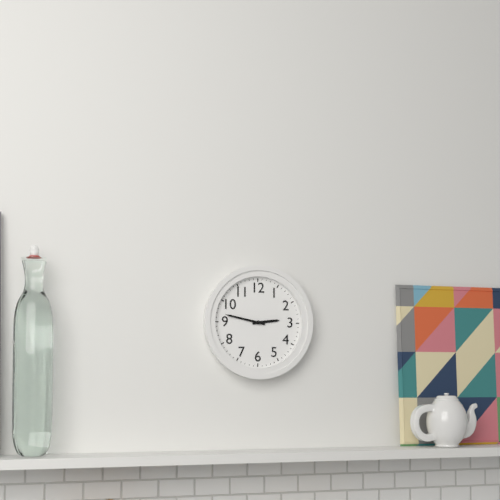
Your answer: **2:47**
